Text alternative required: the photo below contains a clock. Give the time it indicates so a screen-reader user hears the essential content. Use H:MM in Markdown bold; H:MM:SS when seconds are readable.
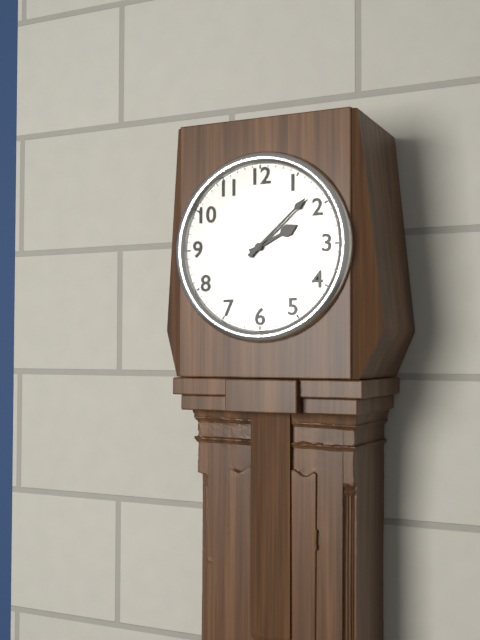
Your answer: **2:08**
